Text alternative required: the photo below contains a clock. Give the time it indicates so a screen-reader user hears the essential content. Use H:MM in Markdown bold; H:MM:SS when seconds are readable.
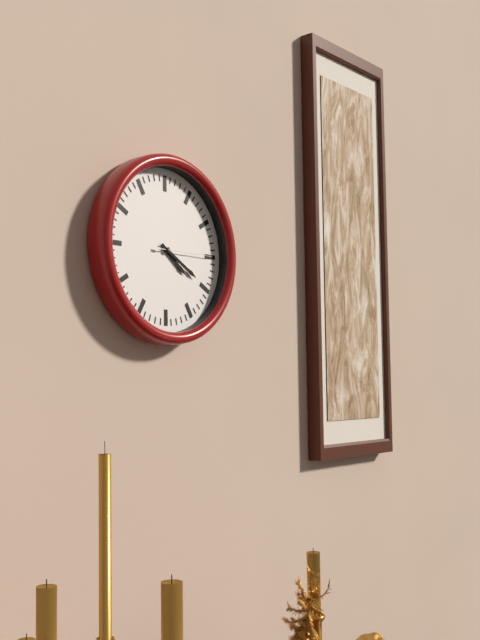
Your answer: **4:20:15**
